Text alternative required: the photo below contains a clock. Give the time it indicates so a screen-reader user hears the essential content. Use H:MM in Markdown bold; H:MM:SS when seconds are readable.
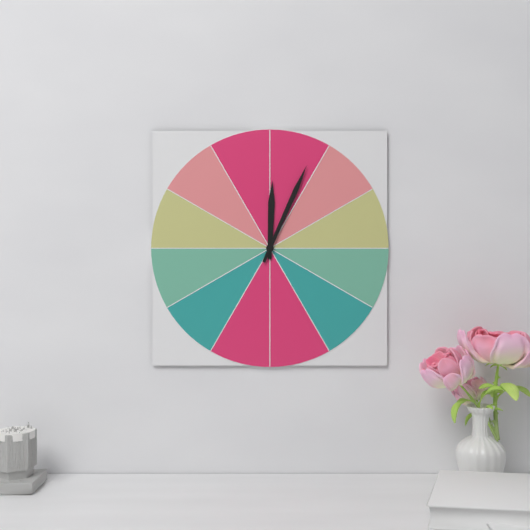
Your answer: **12:04**
